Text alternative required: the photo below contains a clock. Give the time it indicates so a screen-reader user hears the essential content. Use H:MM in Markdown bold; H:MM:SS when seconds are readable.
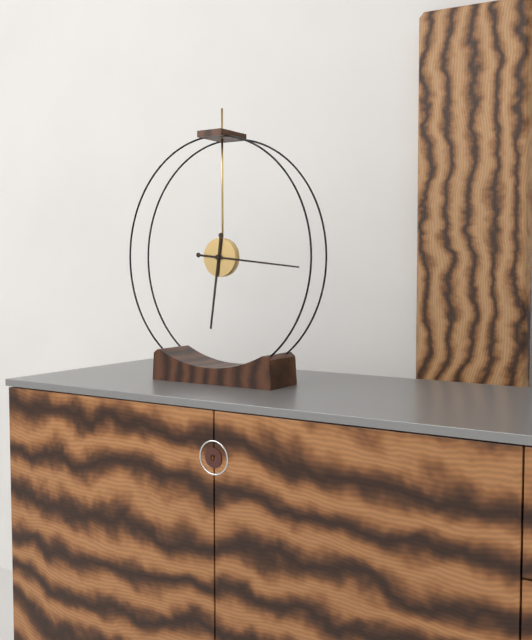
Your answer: **6:16**
